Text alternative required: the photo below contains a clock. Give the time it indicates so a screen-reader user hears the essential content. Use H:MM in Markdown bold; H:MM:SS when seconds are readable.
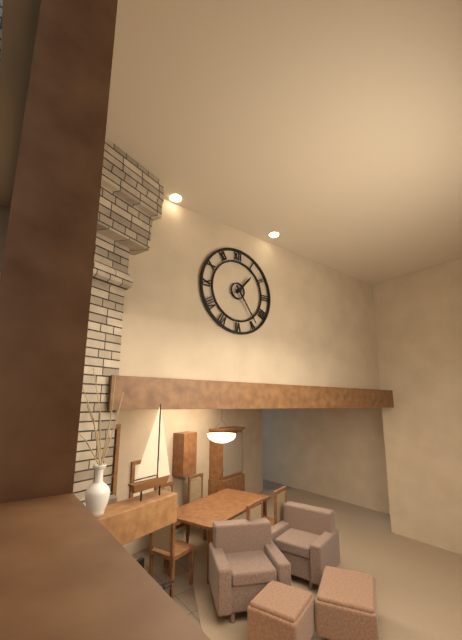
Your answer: **1:24**
